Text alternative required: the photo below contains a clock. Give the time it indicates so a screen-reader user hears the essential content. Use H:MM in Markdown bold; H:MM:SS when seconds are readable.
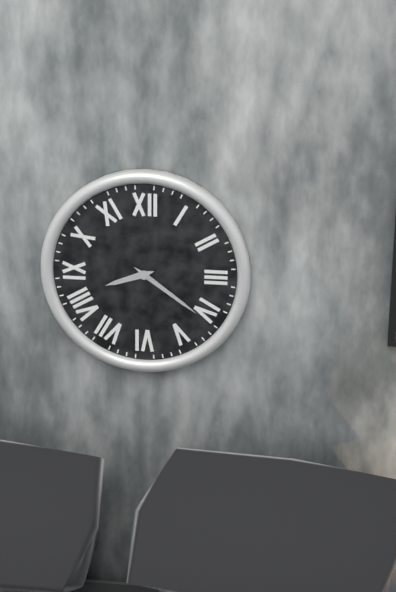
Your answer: **8:21**
